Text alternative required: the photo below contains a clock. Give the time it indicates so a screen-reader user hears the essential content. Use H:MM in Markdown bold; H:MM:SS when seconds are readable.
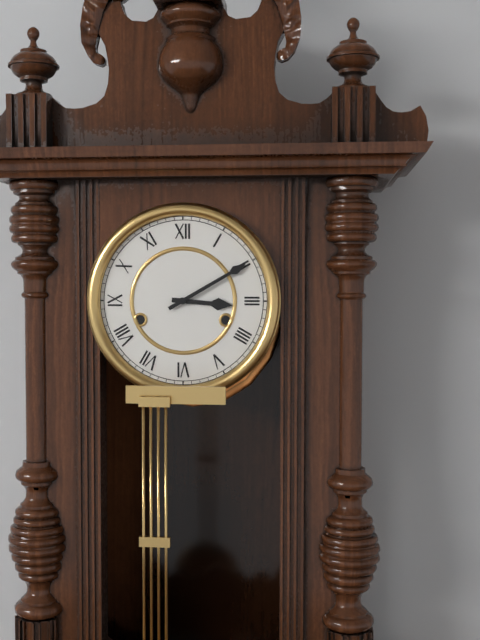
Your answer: **3:10**
